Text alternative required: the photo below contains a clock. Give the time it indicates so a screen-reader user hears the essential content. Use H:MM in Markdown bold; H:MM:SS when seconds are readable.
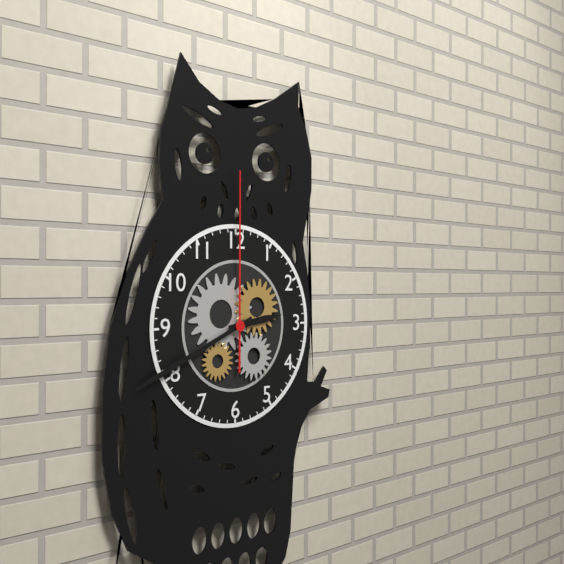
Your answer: **2:41:00**
